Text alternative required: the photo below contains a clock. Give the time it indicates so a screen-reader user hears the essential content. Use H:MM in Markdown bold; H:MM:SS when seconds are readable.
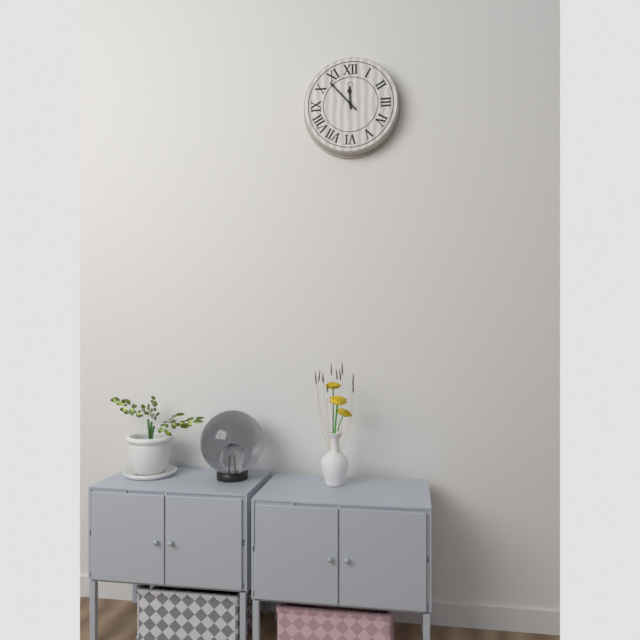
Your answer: **11:53**
